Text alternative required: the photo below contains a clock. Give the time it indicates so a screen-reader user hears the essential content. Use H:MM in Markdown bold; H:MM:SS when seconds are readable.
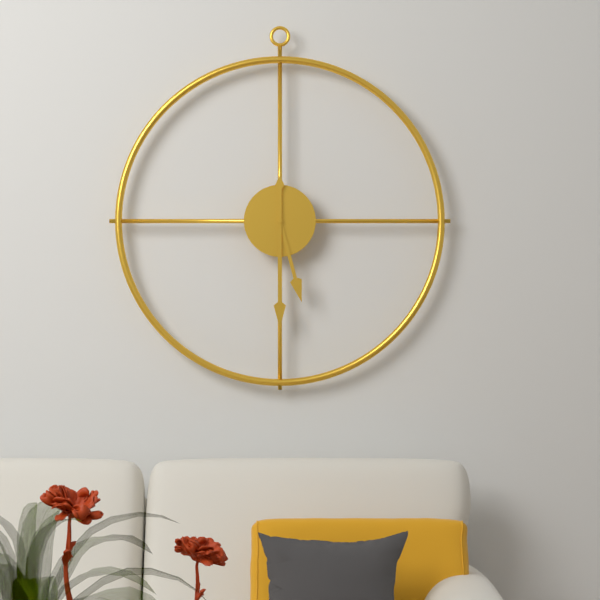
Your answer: **5:30**
